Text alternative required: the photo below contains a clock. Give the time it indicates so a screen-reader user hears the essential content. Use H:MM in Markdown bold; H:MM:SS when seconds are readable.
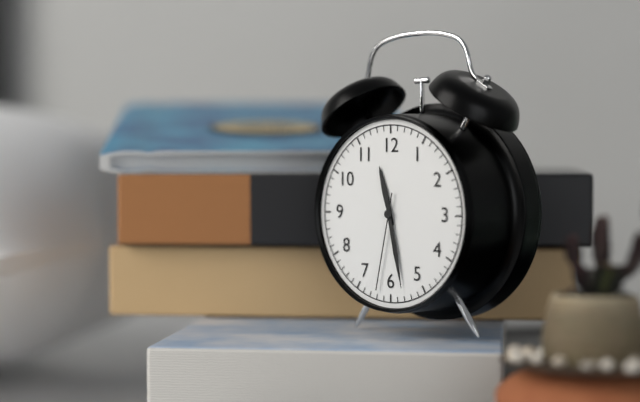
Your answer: **11:28:32**
